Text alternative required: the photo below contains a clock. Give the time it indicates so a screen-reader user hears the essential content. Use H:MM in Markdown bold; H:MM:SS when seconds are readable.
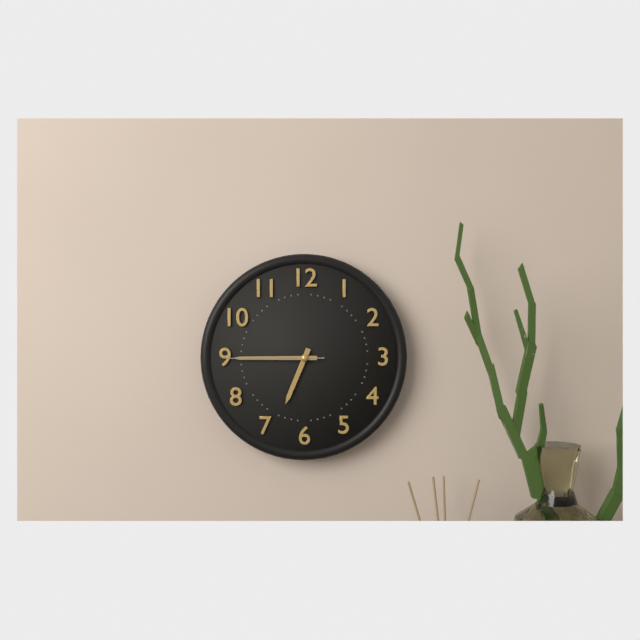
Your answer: **6:45:45**
